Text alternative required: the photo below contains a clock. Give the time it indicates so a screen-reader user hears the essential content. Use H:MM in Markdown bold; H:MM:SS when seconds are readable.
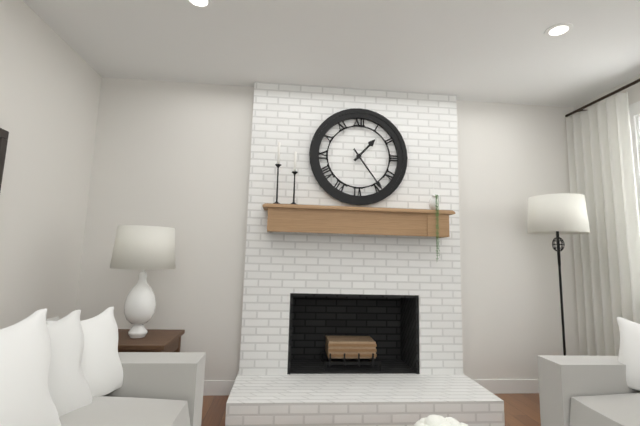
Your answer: **1:24**
